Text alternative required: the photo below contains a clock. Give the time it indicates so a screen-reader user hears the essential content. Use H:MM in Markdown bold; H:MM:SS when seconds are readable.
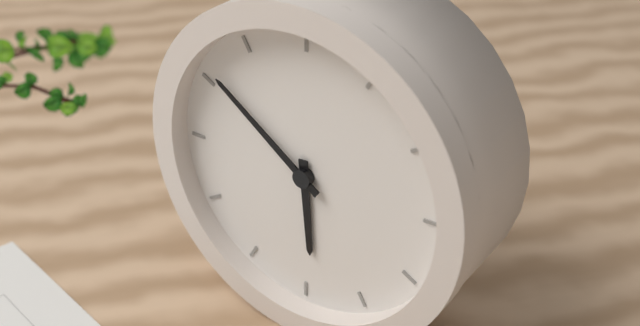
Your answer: **5:51**
